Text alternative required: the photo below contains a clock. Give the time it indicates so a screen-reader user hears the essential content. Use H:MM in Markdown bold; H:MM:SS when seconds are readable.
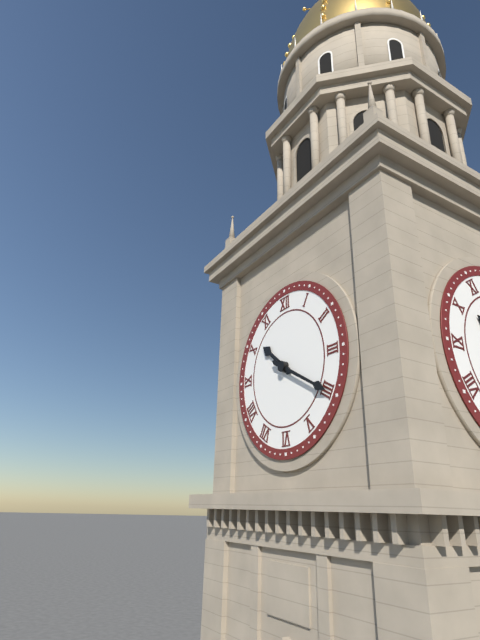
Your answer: **10:20**
